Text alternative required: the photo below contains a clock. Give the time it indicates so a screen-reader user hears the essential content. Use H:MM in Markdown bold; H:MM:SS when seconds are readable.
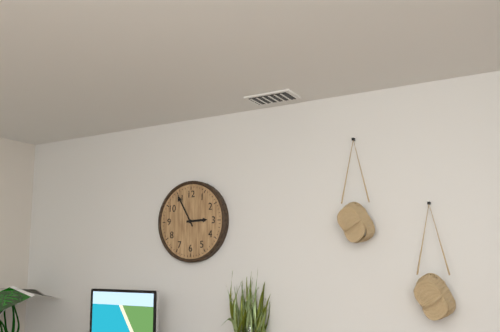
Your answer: **2:55**
